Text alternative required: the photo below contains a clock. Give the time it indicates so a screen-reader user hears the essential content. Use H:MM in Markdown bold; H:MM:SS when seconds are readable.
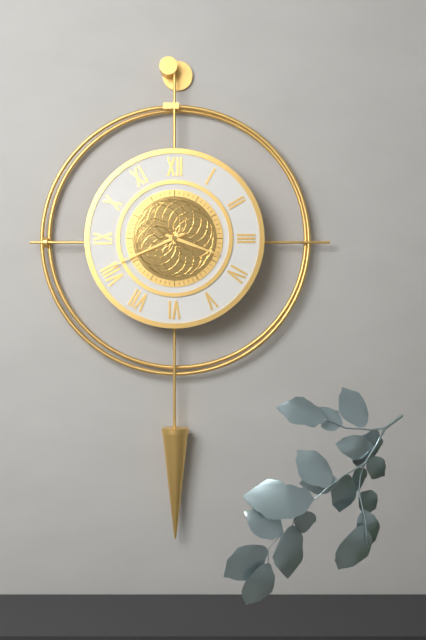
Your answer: **3:41**
